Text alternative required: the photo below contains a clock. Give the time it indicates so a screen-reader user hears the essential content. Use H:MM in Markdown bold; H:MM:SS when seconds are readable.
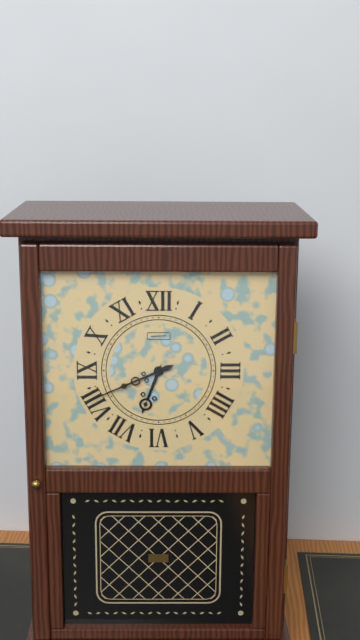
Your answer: **6:41**
